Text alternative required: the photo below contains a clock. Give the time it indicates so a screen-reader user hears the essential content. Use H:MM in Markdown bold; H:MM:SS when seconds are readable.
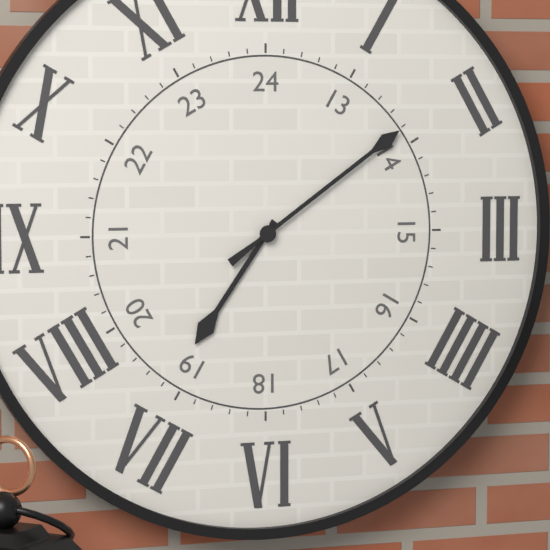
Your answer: **7:09**
